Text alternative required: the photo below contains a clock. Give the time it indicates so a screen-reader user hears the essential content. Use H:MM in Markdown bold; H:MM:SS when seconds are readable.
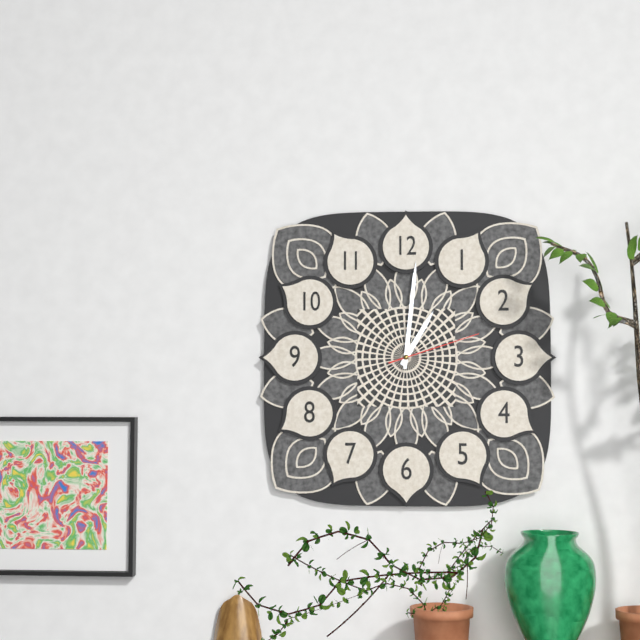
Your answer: **1:01:12**
